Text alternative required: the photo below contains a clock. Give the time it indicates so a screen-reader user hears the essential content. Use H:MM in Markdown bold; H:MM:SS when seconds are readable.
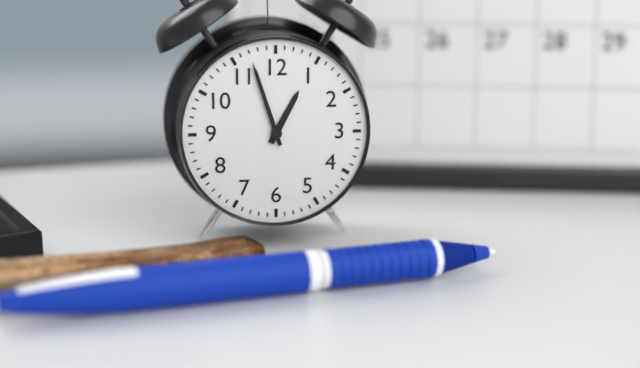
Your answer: **12:57**
